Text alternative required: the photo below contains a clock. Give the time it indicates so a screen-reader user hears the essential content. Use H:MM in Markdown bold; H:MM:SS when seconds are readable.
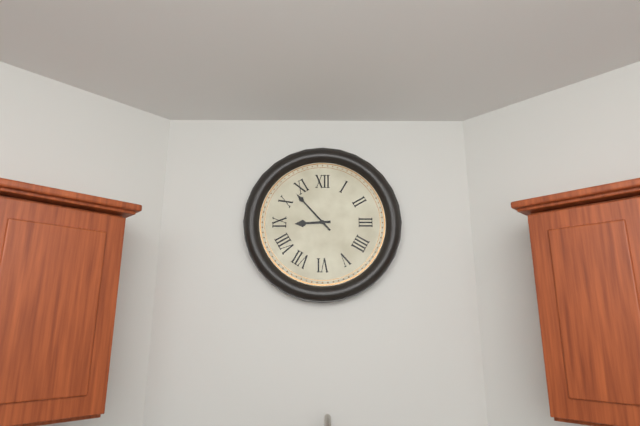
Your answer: **8:53**
